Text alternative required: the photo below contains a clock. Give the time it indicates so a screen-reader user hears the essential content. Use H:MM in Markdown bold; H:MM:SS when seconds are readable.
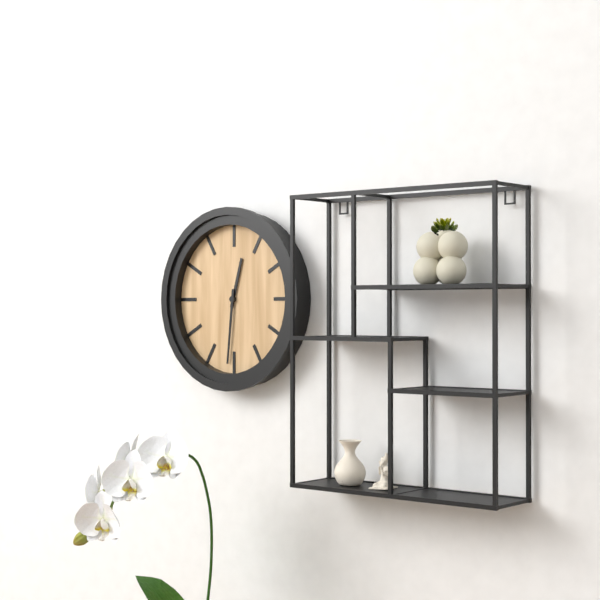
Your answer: **12:31**
